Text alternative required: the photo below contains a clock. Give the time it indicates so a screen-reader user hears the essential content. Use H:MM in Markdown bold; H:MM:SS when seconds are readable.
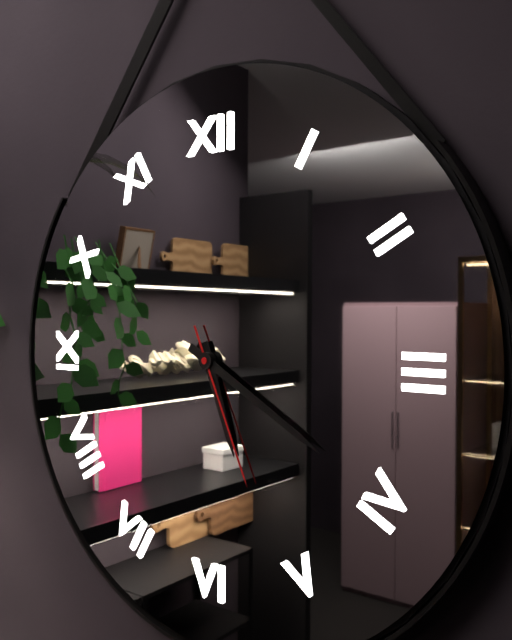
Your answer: **5:20:26**
